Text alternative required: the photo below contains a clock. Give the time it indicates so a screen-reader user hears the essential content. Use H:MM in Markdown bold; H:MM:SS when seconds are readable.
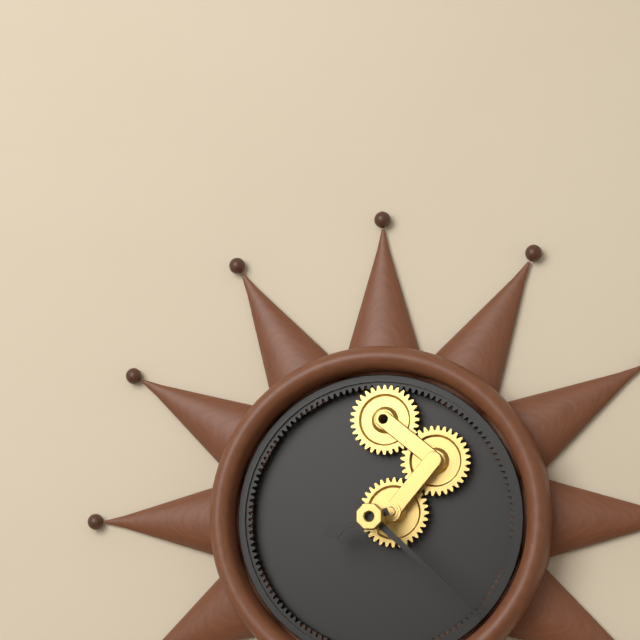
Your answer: **8:22**
